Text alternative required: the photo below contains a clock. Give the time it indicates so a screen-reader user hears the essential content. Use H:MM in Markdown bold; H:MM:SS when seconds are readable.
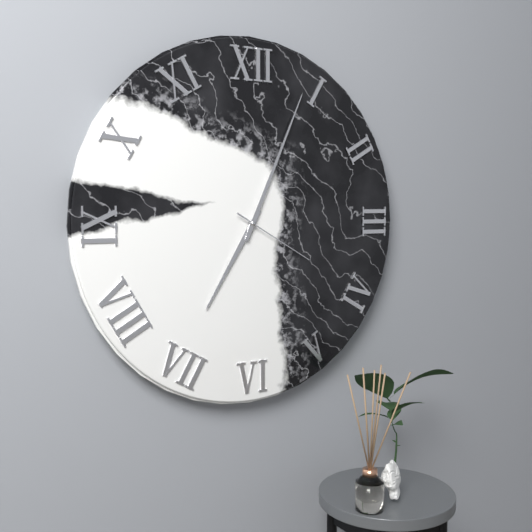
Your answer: **7:04:20**
